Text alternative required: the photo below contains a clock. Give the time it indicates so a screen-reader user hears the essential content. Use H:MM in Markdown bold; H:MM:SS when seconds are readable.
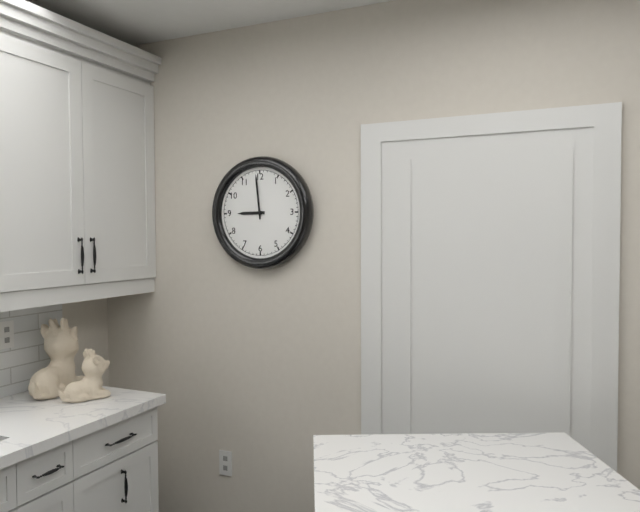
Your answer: **8:59**
